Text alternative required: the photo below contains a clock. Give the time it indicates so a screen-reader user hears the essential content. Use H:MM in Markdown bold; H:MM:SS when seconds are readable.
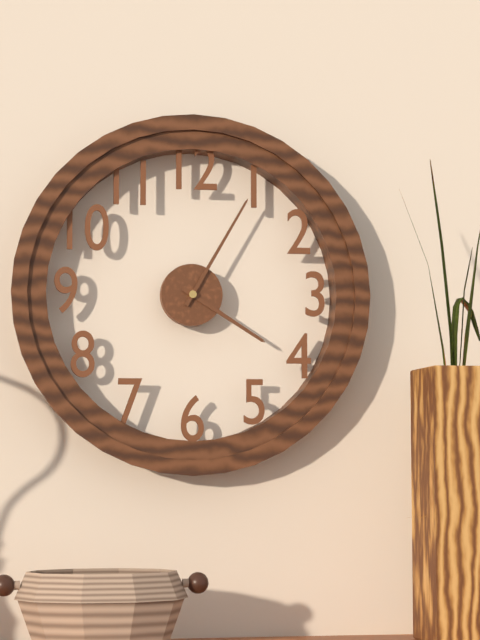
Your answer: **4:05**
